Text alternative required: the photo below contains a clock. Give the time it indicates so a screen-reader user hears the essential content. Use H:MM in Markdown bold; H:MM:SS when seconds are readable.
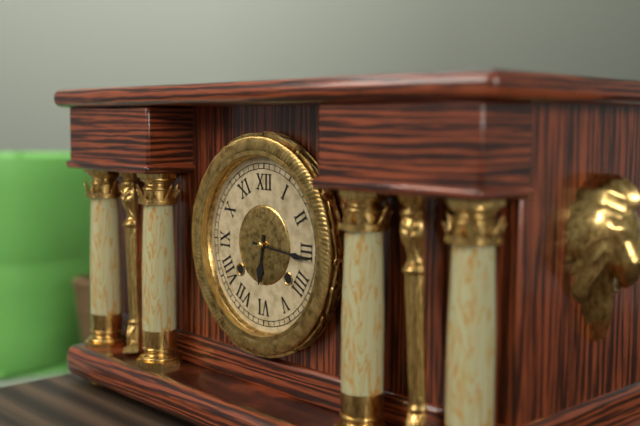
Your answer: **6:16**
